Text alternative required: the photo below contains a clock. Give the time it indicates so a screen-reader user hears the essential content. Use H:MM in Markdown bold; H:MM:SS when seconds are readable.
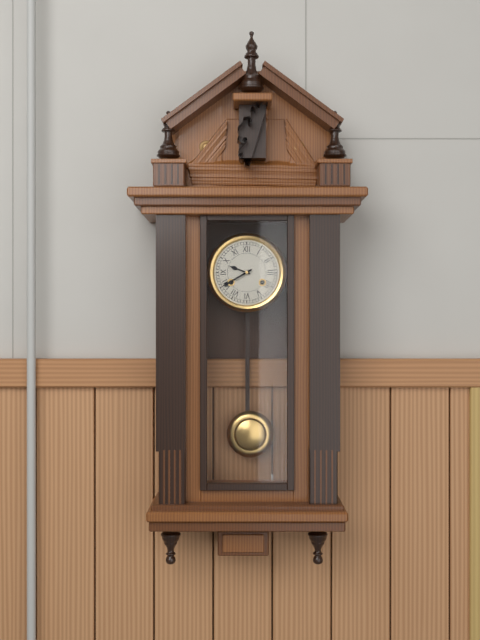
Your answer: **9:40**
